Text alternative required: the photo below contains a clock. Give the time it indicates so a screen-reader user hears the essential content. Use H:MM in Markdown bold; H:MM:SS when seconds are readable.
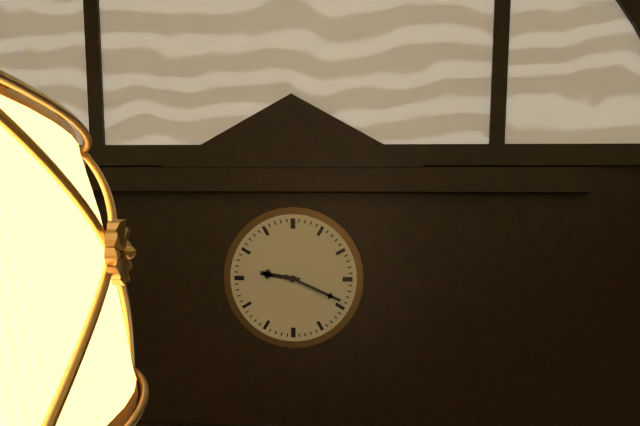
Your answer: **9:19**
